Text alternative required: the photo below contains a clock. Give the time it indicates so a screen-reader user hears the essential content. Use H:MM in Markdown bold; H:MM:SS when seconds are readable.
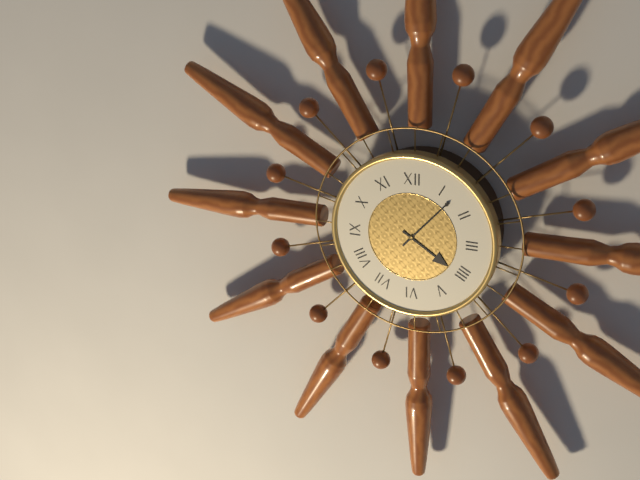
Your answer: **4:07**
